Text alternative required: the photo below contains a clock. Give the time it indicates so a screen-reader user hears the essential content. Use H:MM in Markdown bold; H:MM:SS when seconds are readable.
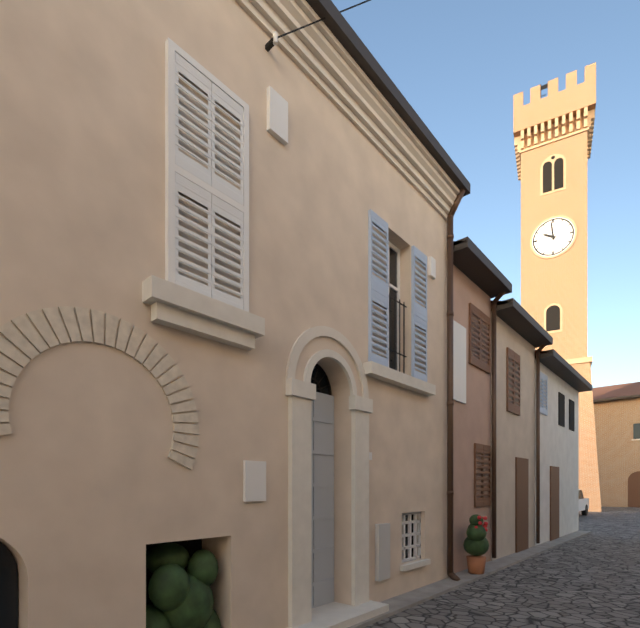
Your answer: **9:59**
